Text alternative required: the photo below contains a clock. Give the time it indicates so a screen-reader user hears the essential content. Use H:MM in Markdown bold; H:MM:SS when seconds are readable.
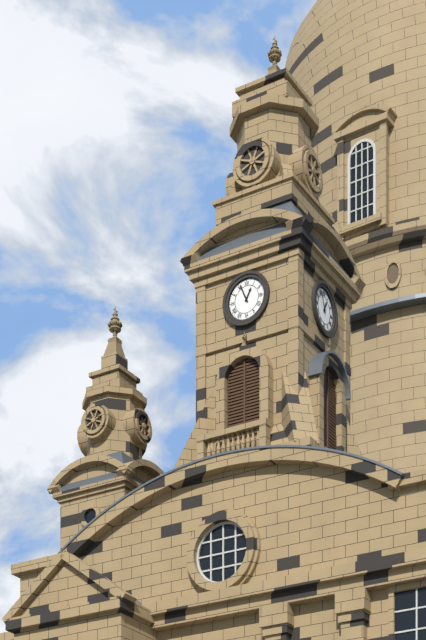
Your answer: **12:56**
